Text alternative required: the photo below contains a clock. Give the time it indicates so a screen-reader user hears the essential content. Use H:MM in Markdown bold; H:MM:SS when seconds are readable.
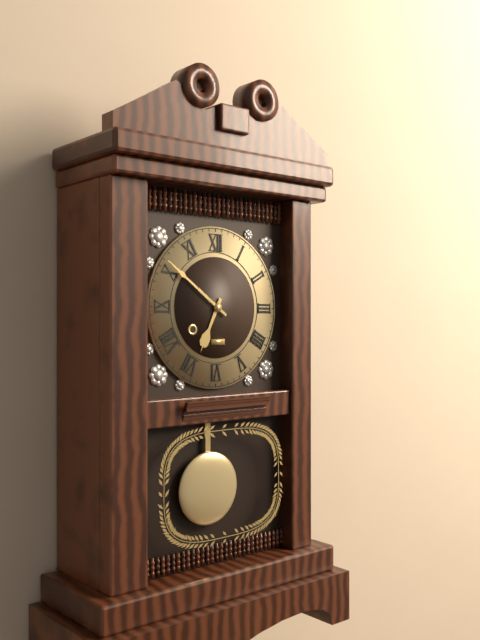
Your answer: **6:51**
